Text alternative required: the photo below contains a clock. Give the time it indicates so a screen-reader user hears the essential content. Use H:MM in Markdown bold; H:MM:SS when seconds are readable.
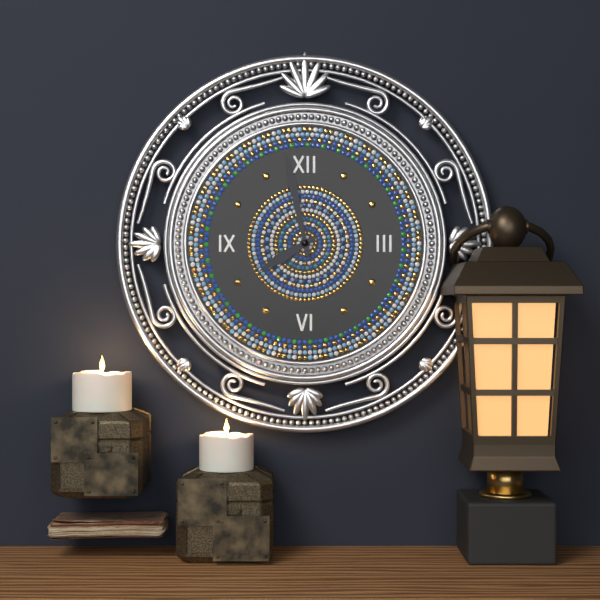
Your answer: **7:58**
